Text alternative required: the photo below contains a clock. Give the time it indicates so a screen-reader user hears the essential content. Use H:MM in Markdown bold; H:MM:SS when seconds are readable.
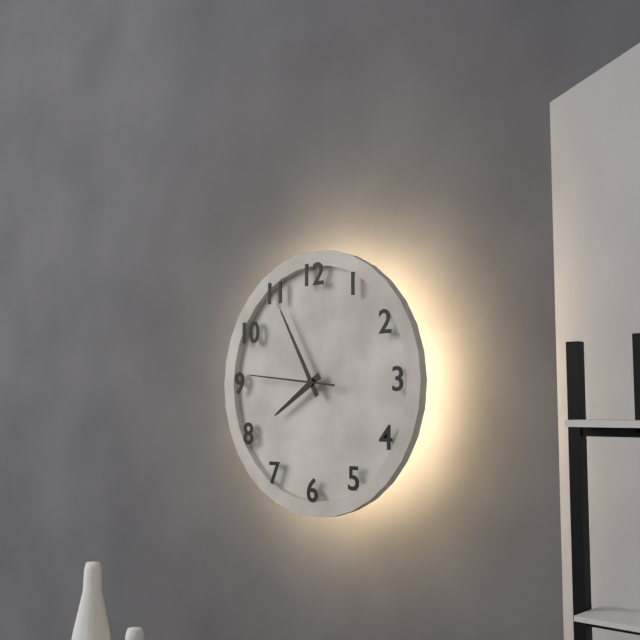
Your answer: **7:55:46**
